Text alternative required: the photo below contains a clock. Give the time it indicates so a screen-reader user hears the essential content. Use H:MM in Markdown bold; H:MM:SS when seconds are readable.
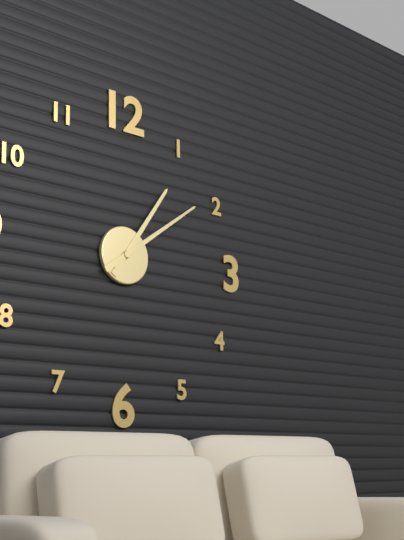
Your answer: **1:09**
